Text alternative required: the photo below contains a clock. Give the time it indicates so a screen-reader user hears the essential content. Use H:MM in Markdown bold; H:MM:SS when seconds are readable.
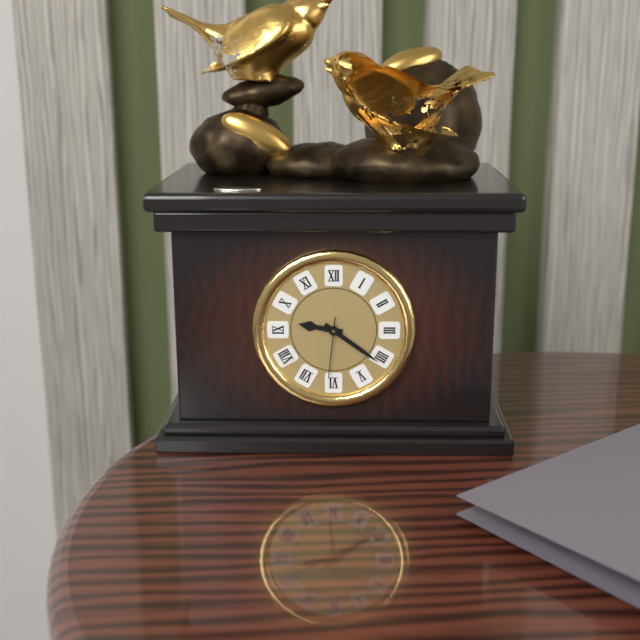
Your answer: **9:21:31**
